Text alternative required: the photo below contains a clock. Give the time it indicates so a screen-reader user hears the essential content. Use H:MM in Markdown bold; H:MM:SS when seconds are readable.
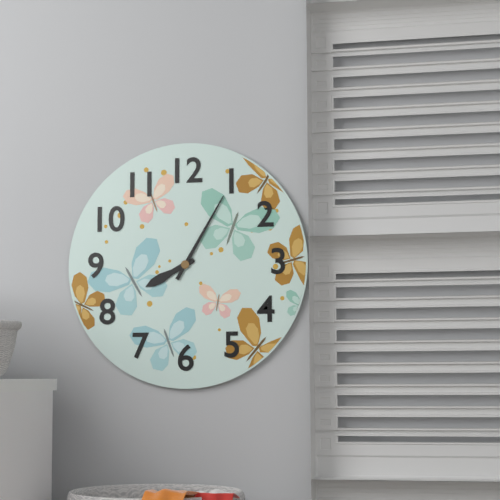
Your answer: **8:05**
